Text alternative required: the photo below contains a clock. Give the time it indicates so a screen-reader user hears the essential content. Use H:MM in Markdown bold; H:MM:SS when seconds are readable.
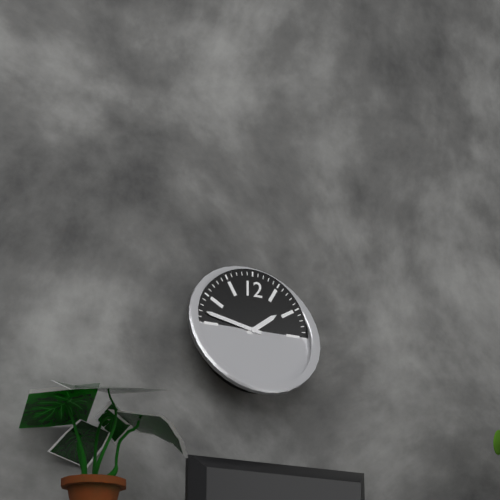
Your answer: **1:47**
